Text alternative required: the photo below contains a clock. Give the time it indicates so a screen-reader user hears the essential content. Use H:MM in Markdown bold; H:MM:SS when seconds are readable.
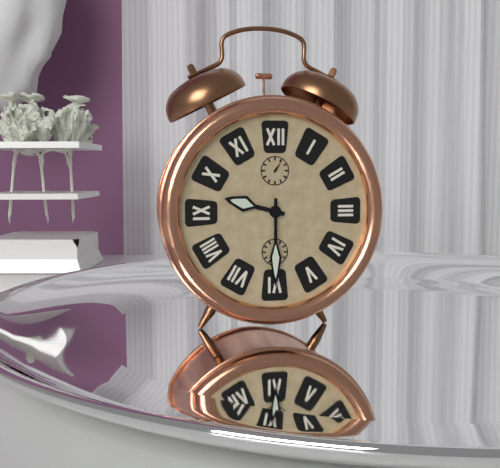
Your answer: **9:30**
